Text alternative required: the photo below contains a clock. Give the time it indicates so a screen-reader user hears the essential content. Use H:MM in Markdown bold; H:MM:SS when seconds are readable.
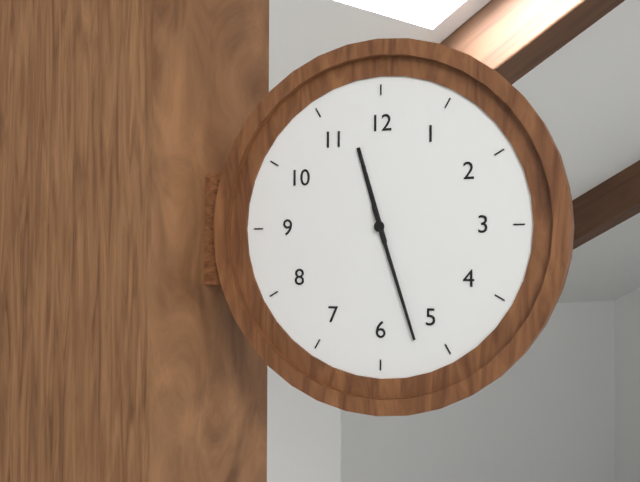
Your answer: **11:27**
